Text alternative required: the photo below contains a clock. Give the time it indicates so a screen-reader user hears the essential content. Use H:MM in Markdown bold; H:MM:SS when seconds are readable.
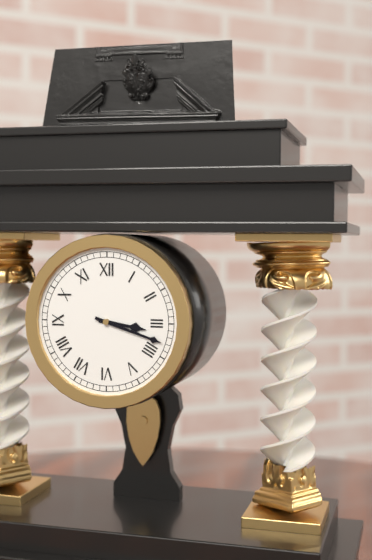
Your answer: **3:18**
